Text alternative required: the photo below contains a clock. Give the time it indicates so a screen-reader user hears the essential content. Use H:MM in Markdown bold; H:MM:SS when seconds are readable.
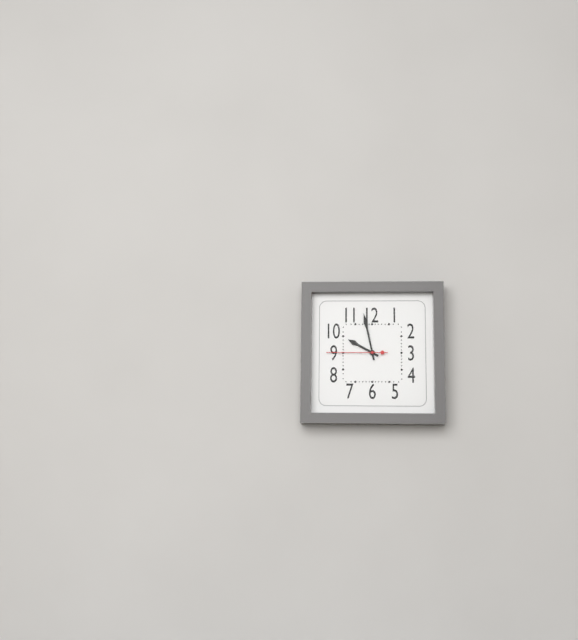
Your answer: **9:58:45**
